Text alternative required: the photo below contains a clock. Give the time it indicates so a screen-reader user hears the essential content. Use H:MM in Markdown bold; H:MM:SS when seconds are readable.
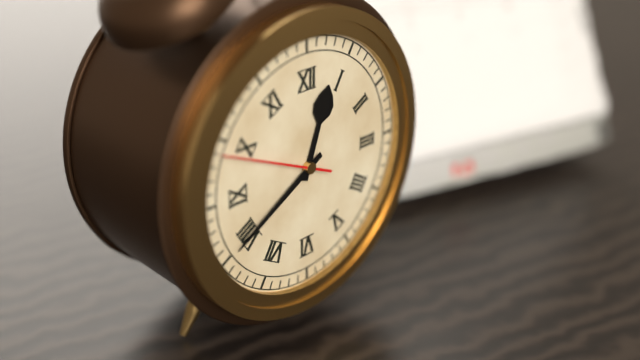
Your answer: **12:40:49**
